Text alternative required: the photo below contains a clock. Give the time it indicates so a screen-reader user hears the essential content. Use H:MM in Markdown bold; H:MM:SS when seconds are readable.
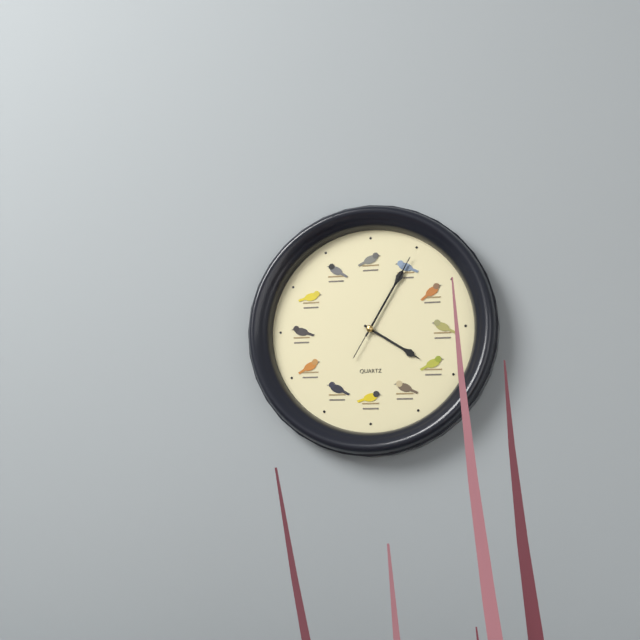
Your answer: **4:05:05**
